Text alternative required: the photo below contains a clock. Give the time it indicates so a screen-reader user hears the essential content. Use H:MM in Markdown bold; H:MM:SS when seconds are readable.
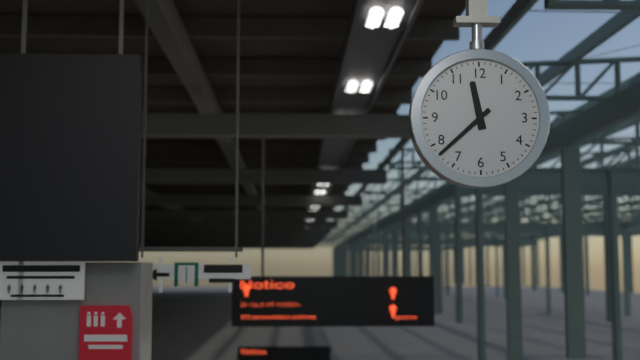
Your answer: **11:38**
